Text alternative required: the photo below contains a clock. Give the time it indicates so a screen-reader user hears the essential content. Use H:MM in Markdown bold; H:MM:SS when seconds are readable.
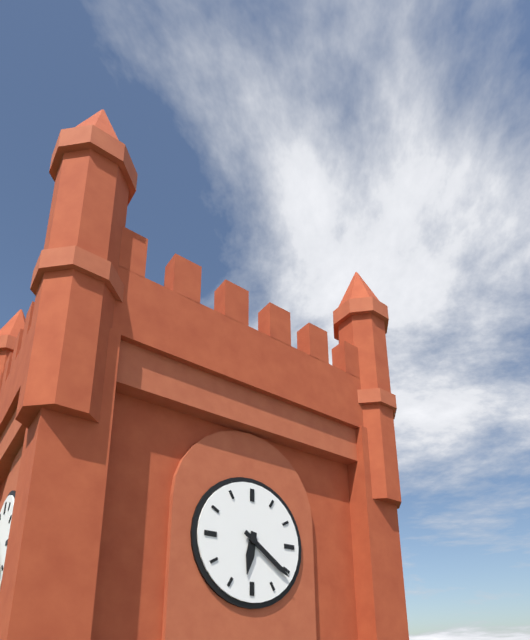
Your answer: **6:21**
